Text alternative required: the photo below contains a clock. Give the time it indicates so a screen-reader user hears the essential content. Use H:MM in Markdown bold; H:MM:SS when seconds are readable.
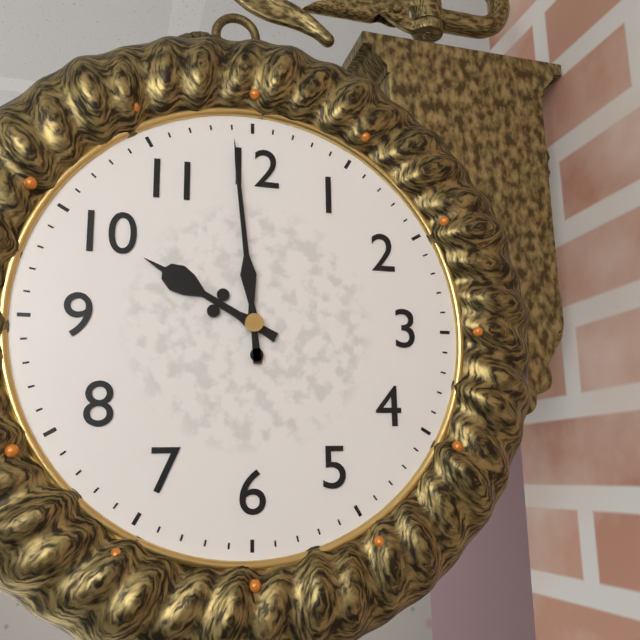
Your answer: **9:59**
